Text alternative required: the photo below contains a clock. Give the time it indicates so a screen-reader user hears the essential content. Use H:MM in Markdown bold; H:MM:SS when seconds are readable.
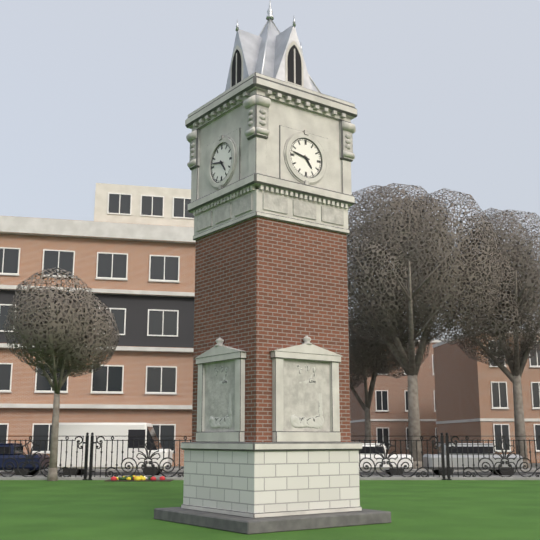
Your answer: **4:47**
